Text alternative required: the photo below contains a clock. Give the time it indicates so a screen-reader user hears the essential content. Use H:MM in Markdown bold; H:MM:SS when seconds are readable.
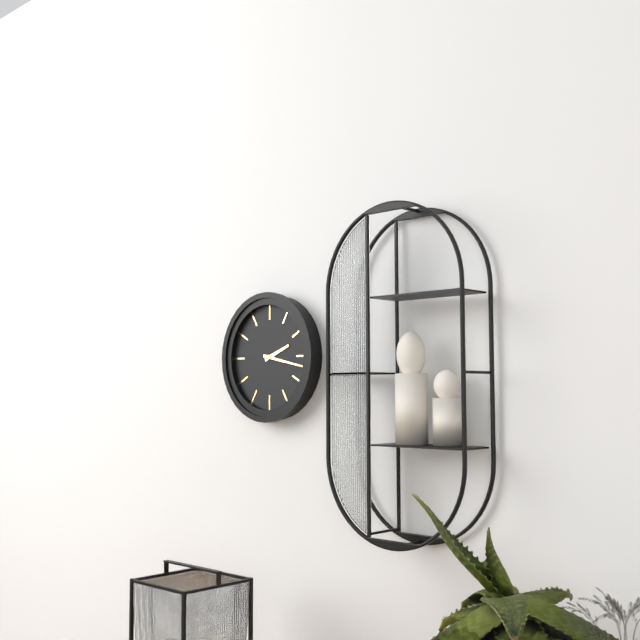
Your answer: **2:17**
